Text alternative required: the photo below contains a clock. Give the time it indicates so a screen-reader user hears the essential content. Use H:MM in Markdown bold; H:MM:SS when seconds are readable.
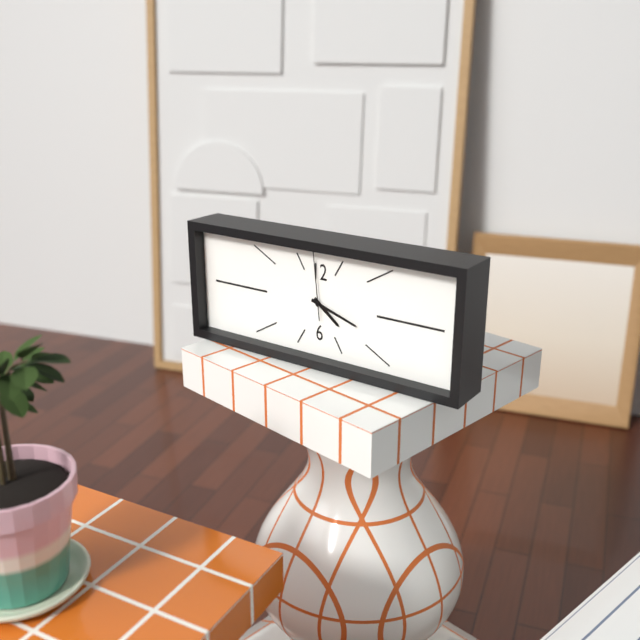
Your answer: **4:18:59**
